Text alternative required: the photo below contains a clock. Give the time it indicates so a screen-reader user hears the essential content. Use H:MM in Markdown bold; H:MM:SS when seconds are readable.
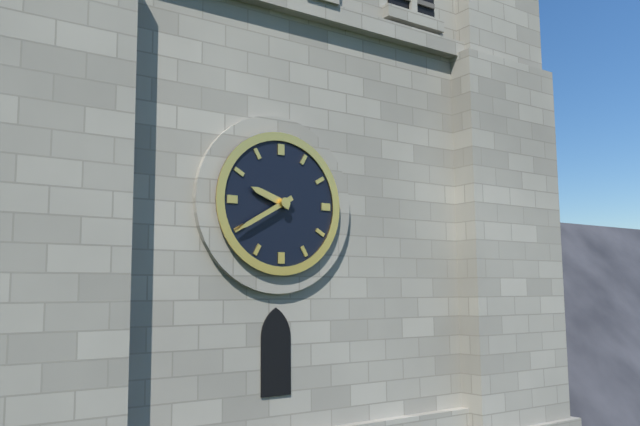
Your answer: **9:40**
